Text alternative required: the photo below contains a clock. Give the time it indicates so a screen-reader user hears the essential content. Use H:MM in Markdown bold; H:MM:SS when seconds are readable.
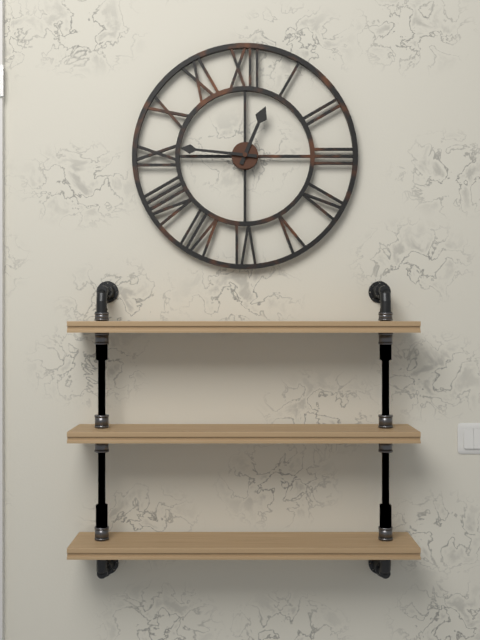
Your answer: **12:46**
